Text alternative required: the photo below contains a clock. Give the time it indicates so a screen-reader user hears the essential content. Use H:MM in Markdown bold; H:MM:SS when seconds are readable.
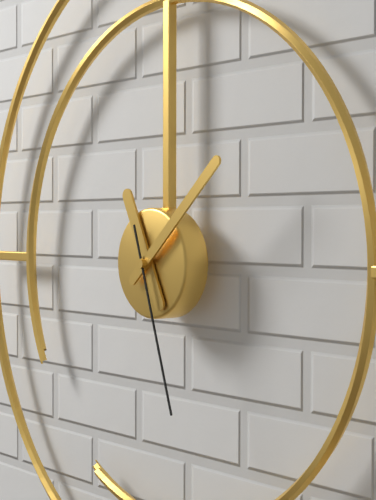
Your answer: **11:08:27**
